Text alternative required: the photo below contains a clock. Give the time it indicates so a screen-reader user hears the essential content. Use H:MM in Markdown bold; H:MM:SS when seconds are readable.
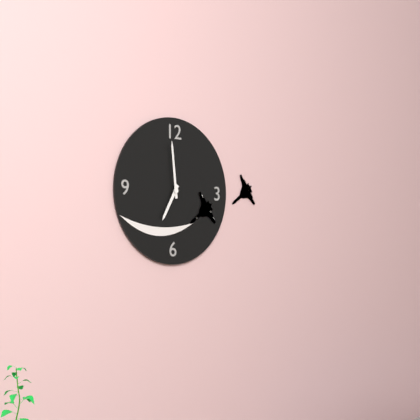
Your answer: **6:59**
